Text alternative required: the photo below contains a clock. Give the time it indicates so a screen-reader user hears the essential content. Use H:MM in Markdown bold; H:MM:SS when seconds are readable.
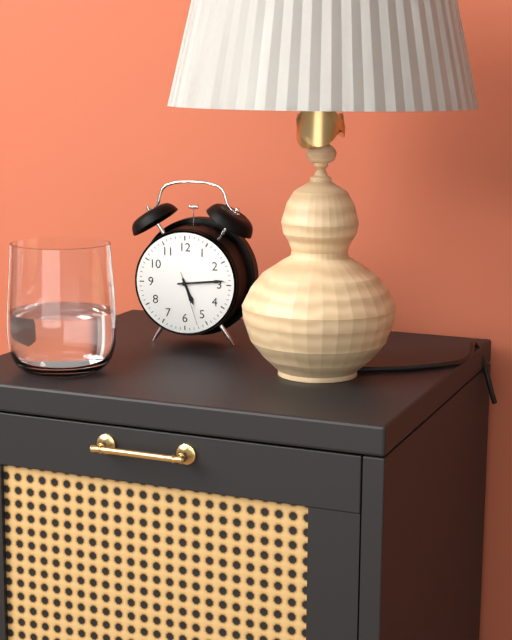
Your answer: **5:14:27**
